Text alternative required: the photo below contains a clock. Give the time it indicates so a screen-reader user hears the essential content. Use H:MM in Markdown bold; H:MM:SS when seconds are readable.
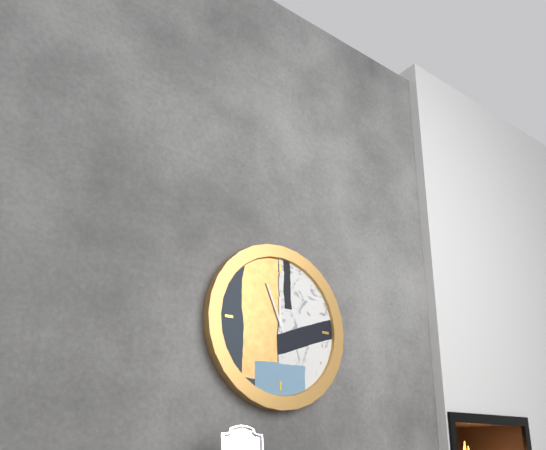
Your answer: **11:56**
